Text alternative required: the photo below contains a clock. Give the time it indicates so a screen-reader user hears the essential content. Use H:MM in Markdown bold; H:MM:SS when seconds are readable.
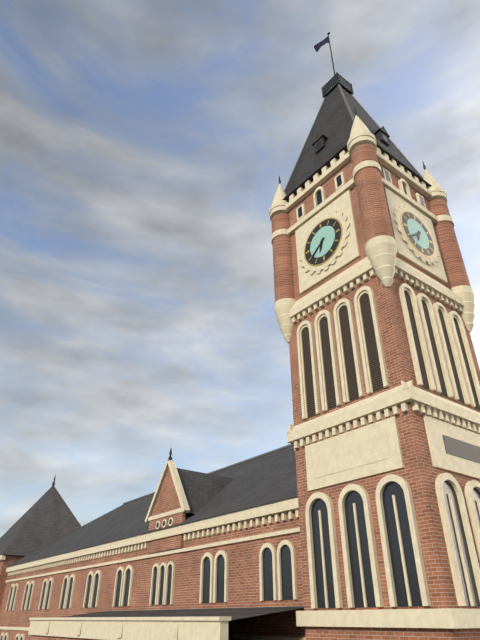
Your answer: **6:39**
